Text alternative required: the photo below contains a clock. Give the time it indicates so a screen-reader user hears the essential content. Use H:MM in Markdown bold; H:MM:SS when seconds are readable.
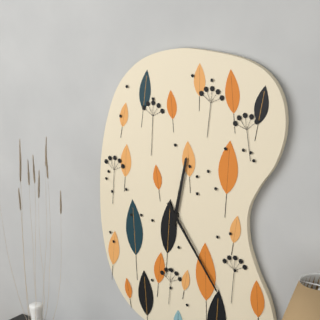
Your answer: **12:24**
